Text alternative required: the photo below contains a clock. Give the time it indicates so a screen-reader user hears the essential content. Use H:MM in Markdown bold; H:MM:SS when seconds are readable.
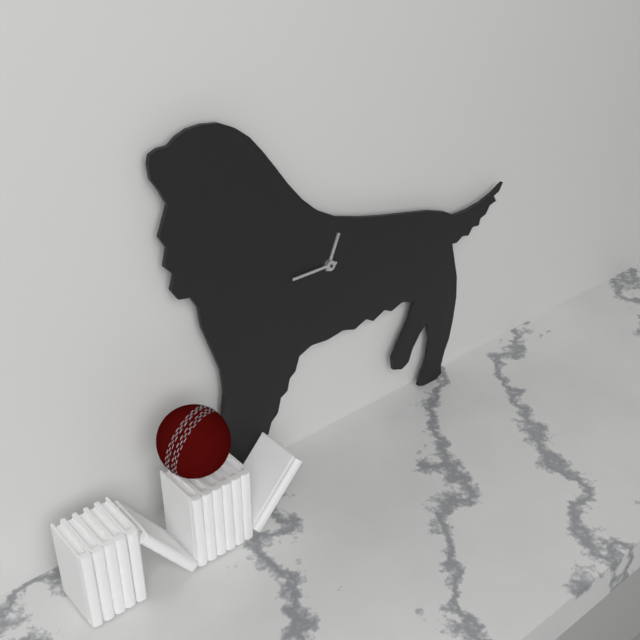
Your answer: **12:45**
